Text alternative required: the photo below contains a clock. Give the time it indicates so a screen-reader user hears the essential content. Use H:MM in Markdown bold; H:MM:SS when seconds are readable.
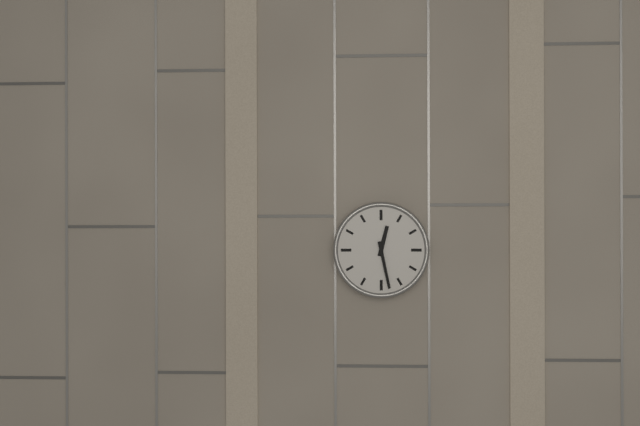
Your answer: **12:28**
